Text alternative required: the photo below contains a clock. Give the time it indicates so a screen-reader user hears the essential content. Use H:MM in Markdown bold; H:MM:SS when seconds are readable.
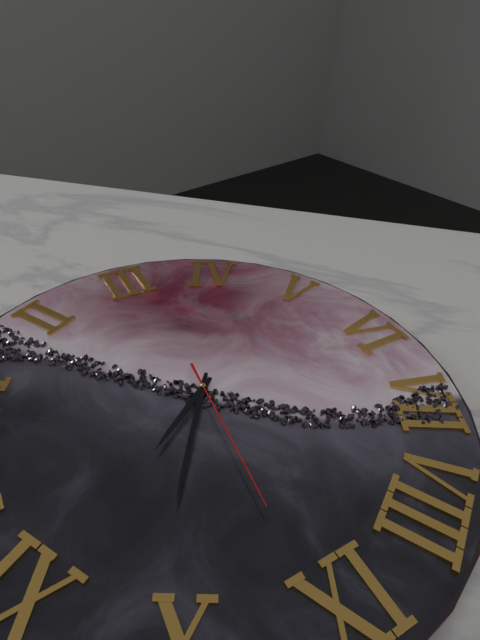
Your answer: **10:51:46**
